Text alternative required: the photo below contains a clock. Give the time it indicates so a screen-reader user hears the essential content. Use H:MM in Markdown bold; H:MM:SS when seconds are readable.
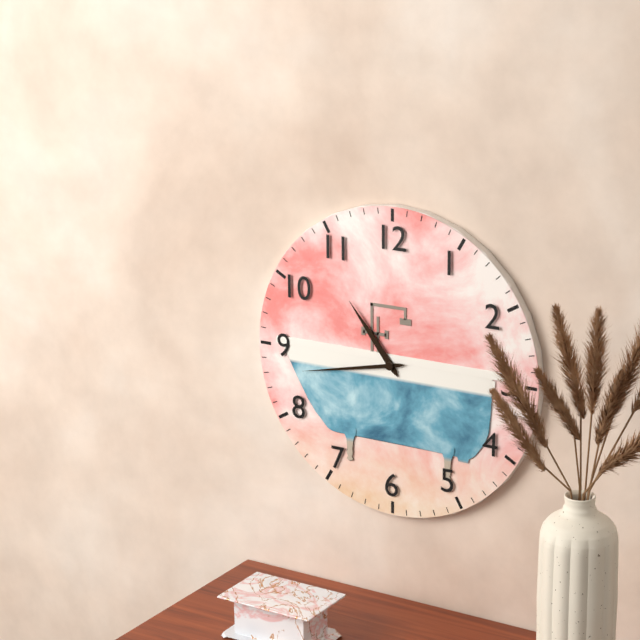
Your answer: **10:43**
